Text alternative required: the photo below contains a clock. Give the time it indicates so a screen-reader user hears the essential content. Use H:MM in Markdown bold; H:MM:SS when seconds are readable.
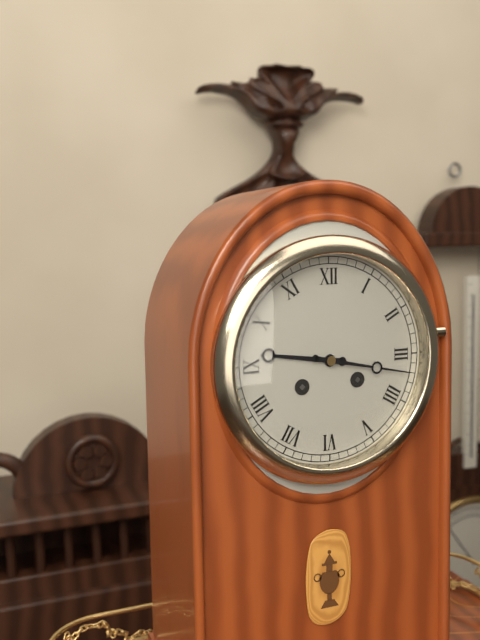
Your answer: **9:17**
